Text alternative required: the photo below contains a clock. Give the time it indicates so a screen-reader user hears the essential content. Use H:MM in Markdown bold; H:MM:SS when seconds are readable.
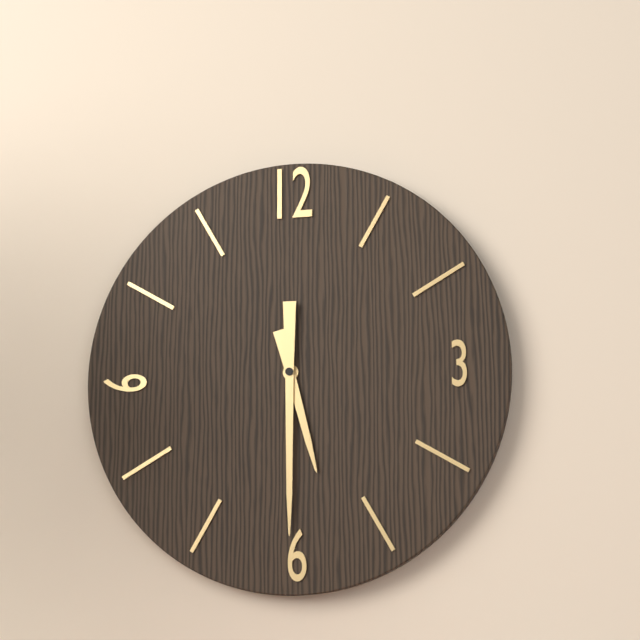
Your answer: **5:30**
